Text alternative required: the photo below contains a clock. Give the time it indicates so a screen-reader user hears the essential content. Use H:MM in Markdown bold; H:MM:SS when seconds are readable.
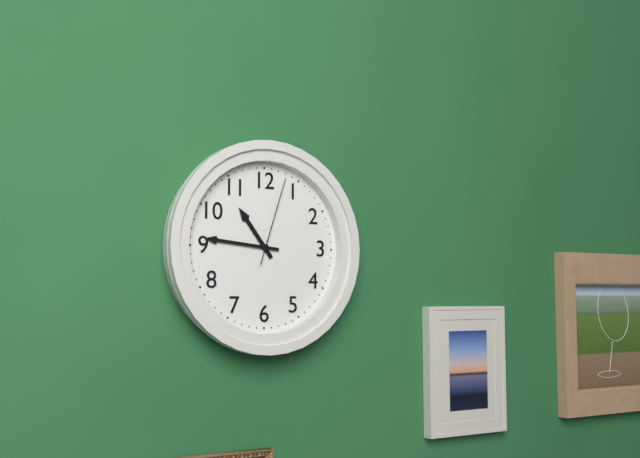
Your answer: **10:46:03**
